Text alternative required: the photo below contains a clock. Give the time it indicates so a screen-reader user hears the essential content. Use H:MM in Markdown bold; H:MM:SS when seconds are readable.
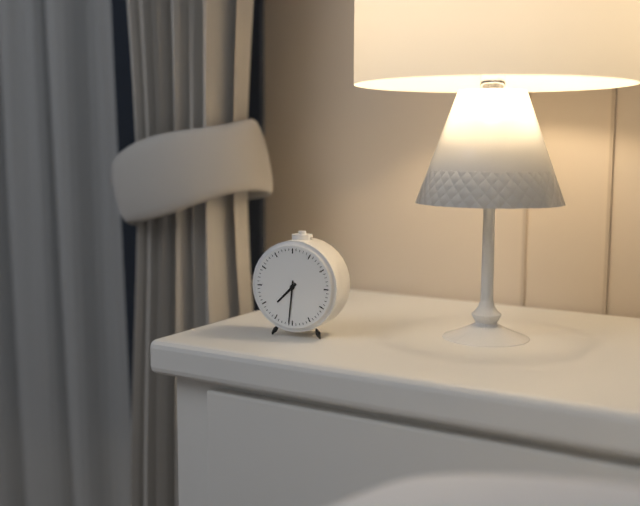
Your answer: **7:31**
